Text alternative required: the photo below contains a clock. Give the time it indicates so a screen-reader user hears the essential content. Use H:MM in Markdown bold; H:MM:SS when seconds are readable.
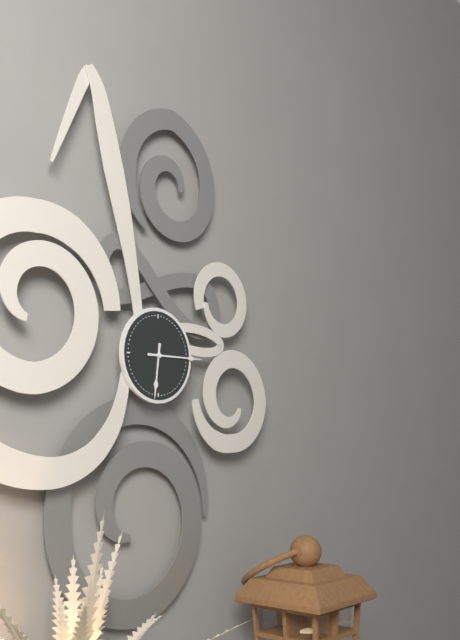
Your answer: **6:15**
